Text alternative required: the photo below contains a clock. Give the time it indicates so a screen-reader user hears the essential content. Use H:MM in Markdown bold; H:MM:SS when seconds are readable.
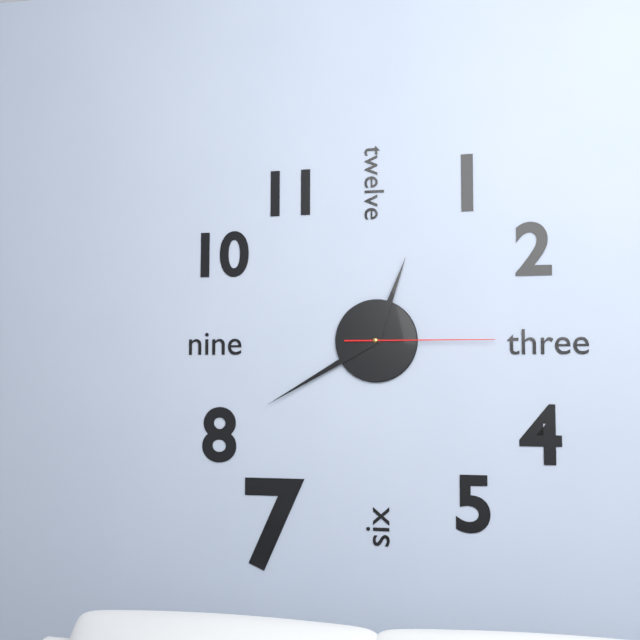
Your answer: **12:40:15**
